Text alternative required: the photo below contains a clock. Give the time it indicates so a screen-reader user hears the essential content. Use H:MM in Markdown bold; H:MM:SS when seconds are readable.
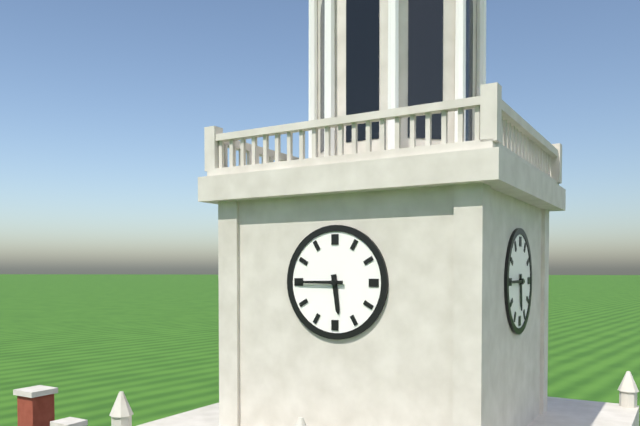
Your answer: **5:45**
